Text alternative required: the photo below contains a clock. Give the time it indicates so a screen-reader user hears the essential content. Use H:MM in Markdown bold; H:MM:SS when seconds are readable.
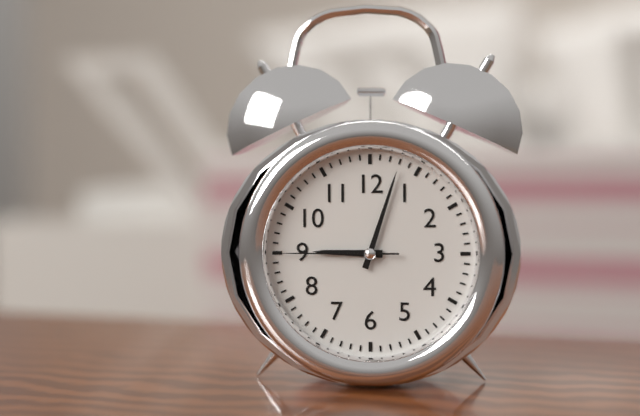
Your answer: **9:03:45**
